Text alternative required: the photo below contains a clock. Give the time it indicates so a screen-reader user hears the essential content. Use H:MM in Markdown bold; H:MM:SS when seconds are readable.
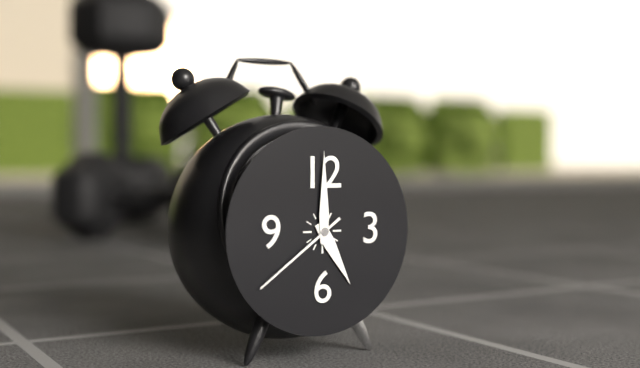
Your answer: **5:00:39**
